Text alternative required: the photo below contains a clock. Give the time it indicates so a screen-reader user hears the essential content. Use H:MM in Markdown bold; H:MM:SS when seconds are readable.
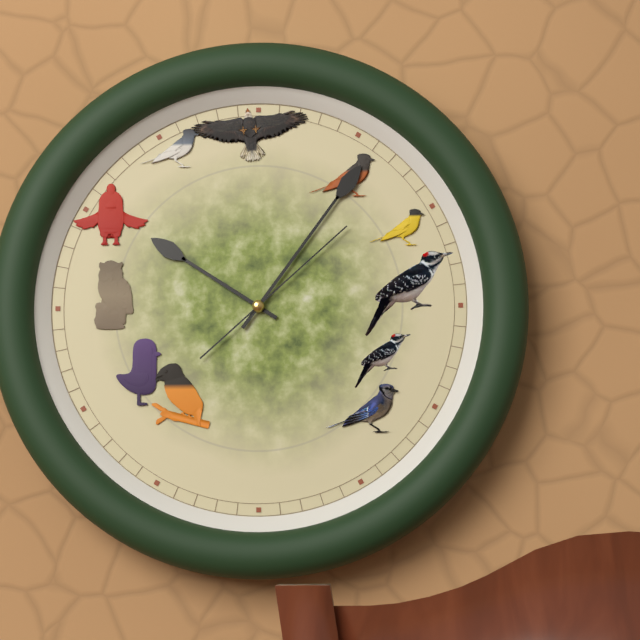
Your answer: **10:06:08**
